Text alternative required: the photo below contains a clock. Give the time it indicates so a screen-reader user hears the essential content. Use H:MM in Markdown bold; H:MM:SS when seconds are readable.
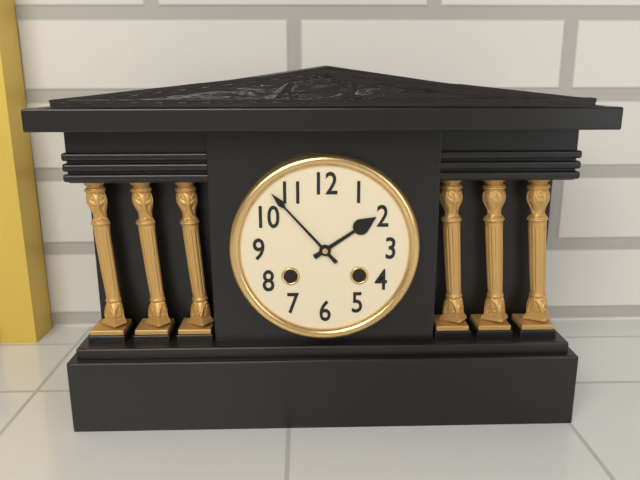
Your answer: **1:53**
